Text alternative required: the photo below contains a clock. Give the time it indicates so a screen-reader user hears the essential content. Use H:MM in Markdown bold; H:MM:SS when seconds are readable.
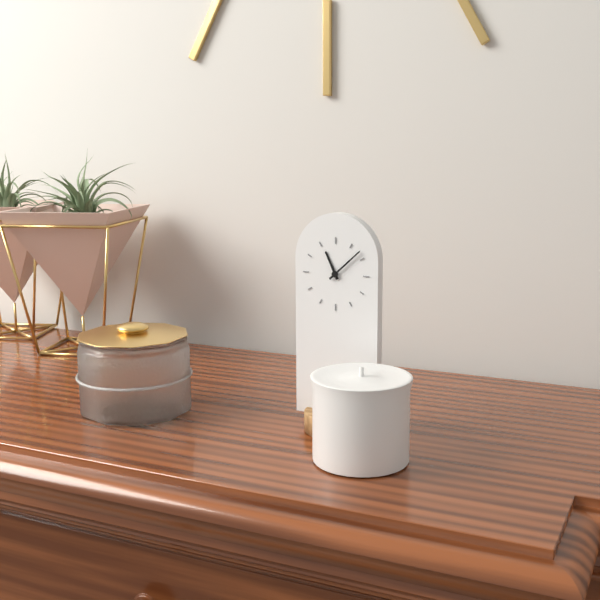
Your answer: **11:08**
